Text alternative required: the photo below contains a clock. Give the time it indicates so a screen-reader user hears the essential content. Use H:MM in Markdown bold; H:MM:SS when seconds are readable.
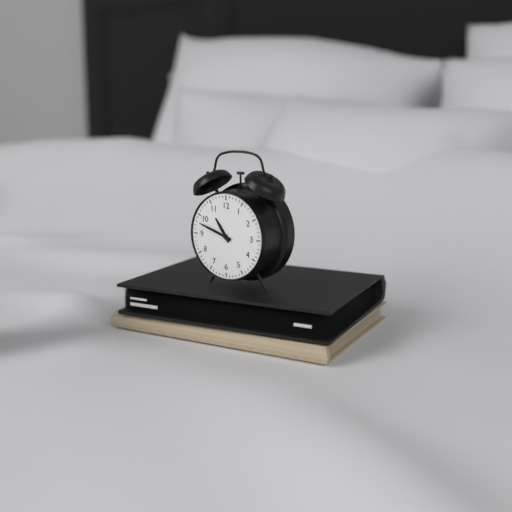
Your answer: **10:48**
